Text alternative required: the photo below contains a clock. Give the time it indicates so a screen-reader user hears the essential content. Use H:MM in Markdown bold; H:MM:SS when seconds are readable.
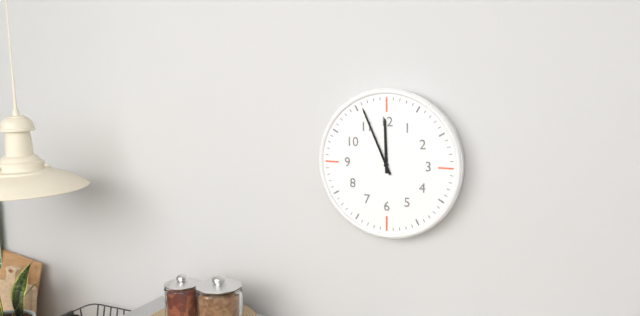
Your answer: **11:56**
